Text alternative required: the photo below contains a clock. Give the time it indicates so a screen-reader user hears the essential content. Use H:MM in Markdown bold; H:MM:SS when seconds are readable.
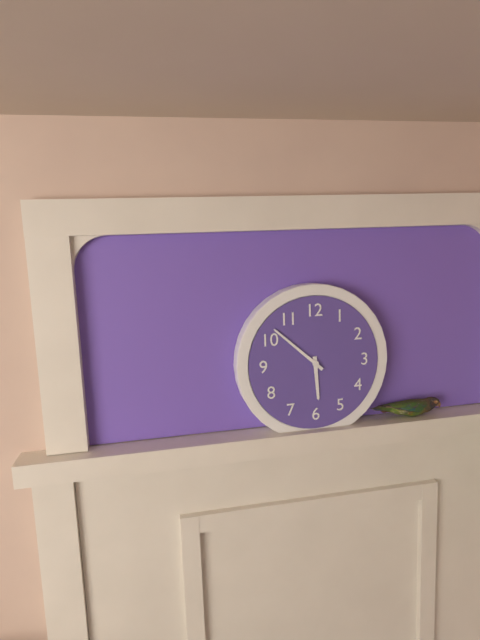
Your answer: **5:52**
